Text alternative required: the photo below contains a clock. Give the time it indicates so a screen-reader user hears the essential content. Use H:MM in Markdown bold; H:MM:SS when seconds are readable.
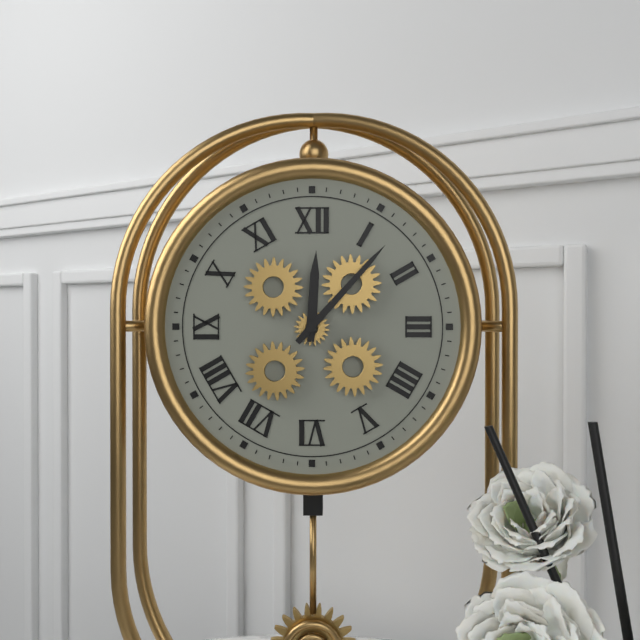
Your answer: **12:07**
